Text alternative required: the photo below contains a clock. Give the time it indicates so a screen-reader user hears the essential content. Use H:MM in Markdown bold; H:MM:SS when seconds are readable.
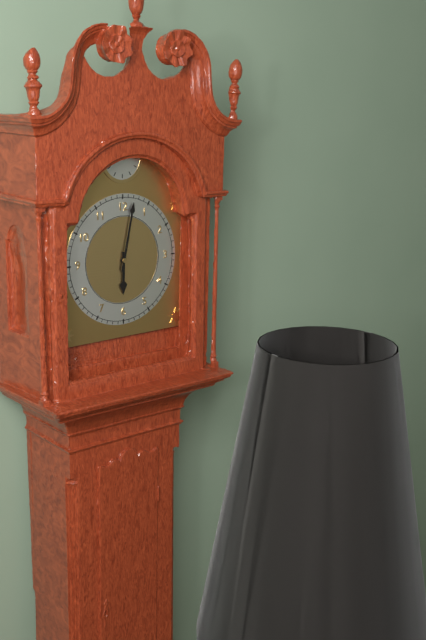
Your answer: **6:02**
